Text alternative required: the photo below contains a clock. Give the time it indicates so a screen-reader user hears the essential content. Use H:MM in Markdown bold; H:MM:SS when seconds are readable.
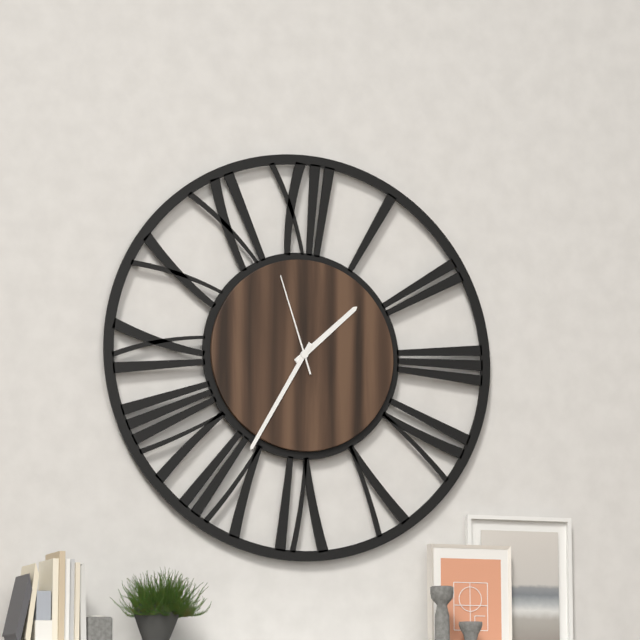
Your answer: **1:35:57**
